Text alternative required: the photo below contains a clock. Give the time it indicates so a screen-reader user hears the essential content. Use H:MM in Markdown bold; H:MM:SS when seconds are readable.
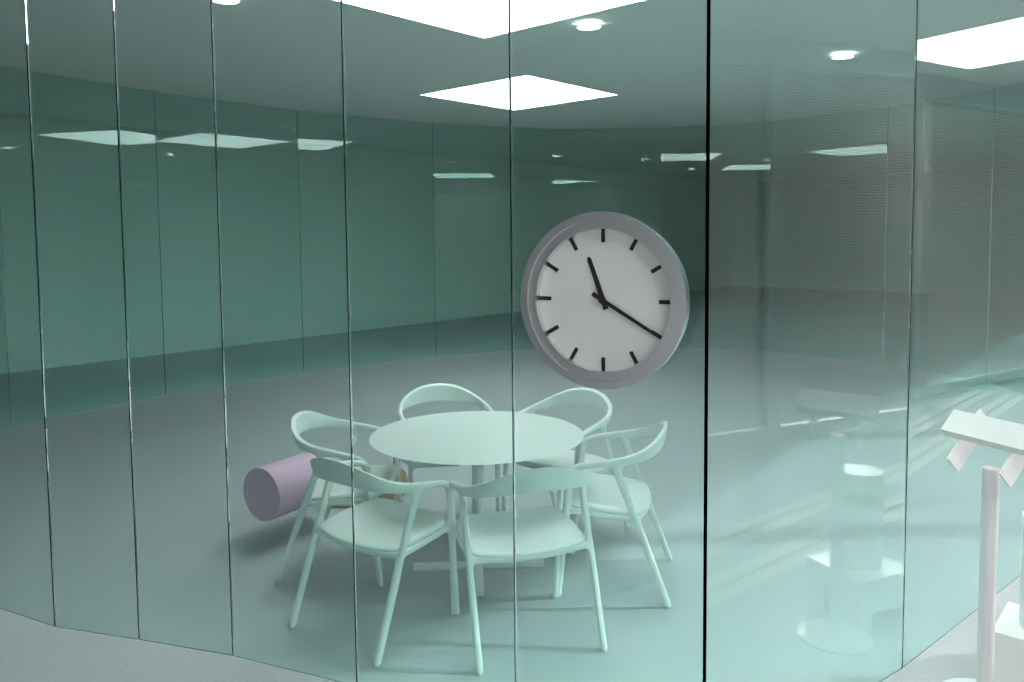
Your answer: **11:20**
